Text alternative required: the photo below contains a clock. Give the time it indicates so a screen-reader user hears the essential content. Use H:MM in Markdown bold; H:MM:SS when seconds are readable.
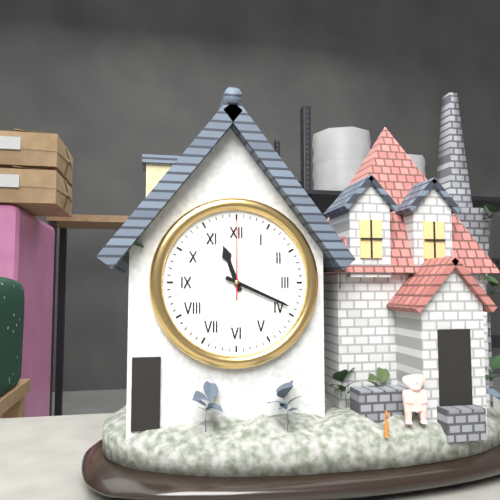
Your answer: **11:19:00**
